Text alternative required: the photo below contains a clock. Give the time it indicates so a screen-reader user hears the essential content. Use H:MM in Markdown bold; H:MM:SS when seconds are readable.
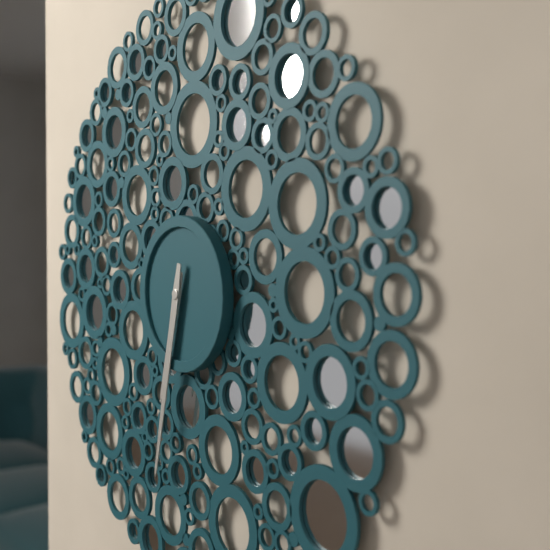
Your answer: **6:32**
